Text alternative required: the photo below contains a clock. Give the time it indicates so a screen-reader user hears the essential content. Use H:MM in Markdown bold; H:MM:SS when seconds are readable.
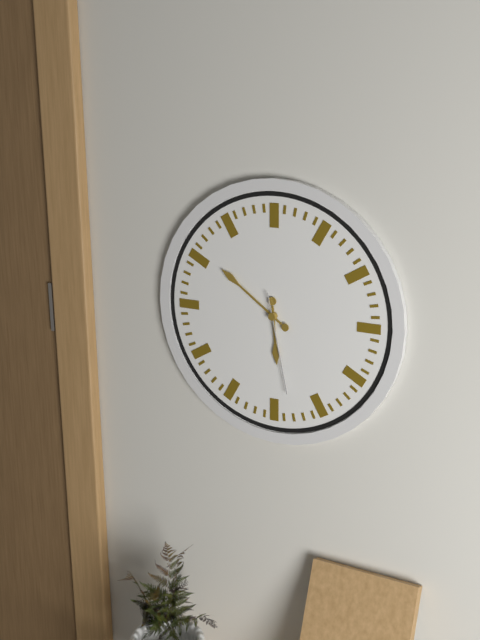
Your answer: **5:51:28**
